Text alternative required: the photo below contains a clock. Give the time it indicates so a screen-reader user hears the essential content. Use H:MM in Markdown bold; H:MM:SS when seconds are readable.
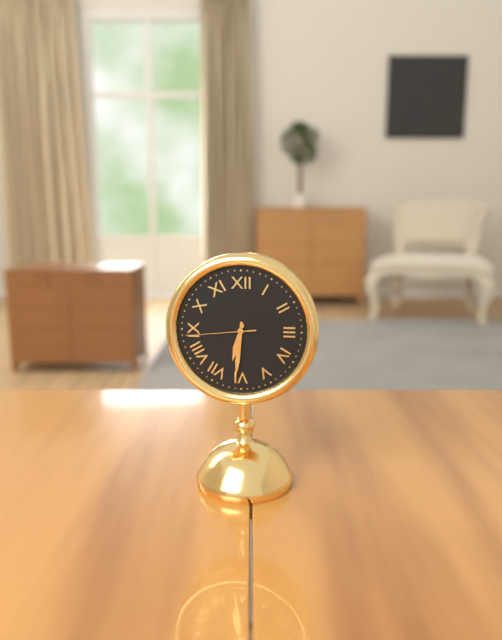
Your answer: **6:31:44**
